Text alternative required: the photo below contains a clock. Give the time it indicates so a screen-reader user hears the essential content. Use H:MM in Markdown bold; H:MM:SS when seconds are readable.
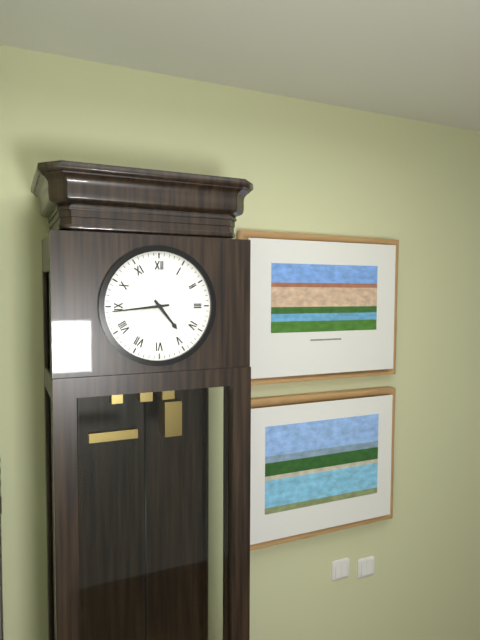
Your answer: **4:44**
